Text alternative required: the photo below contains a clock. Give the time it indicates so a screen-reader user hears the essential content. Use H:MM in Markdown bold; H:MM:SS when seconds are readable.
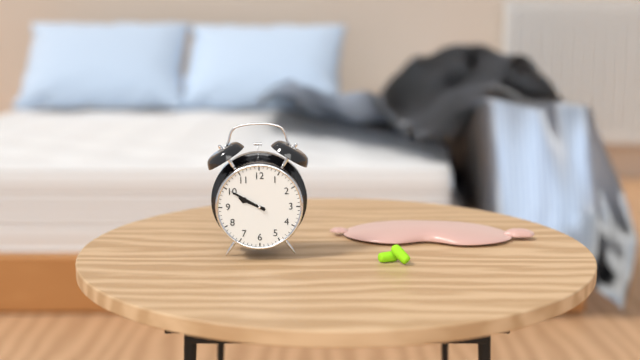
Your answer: **9:50**
